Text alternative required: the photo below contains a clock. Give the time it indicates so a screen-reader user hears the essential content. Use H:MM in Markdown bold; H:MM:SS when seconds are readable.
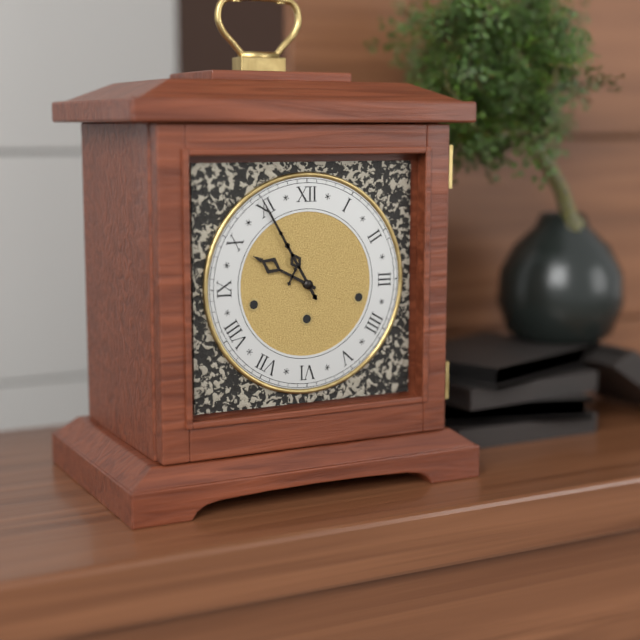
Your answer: **9:55**
